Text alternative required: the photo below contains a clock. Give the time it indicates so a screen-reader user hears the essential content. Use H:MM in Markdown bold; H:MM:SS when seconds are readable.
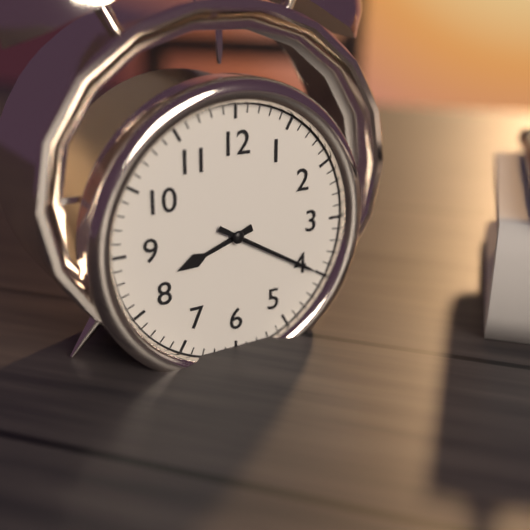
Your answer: **8:20**
